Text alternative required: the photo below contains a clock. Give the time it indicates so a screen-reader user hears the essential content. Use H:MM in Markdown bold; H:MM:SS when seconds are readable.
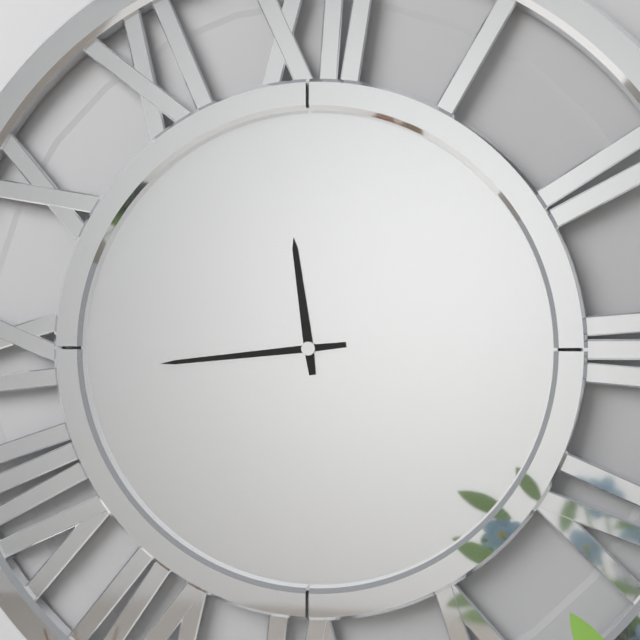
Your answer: **11:44**
